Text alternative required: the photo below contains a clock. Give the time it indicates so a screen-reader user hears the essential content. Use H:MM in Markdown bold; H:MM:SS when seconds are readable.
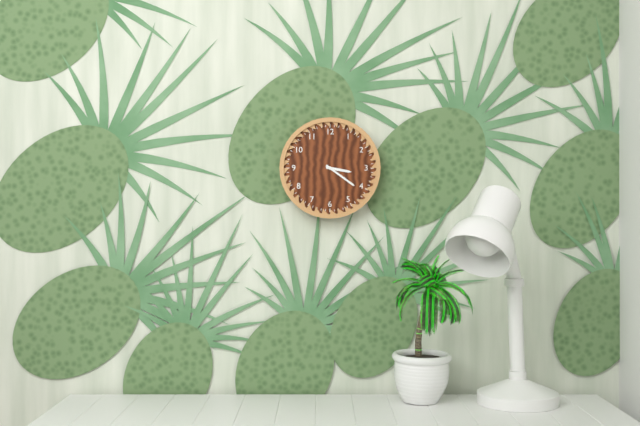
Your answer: **3:21**
